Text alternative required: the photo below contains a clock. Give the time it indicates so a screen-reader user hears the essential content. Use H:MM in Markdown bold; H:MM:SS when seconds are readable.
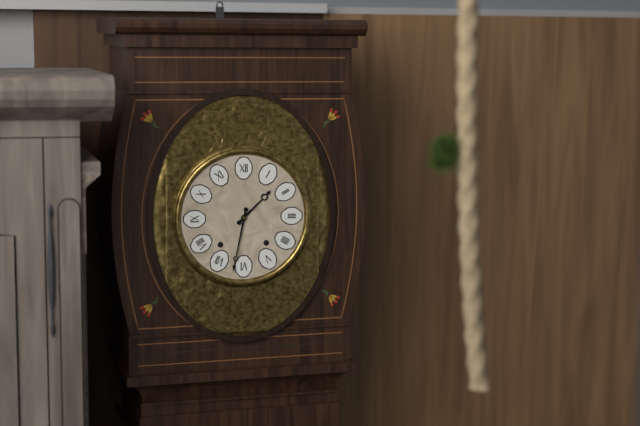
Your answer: **1:32**
